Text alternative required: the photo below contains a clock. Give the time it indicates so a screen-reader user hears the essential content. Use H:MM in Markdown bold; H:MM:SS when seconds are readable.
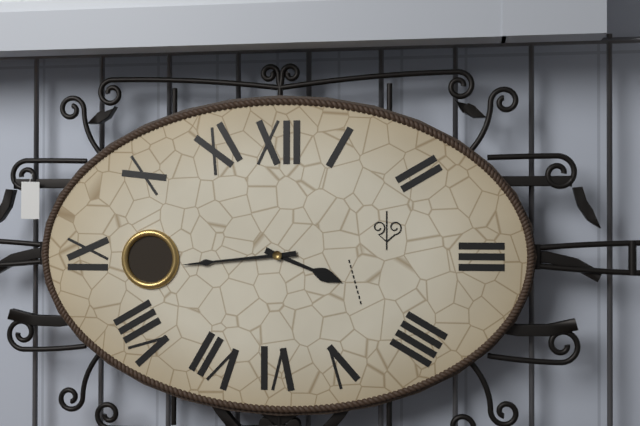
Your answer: **3:44**
